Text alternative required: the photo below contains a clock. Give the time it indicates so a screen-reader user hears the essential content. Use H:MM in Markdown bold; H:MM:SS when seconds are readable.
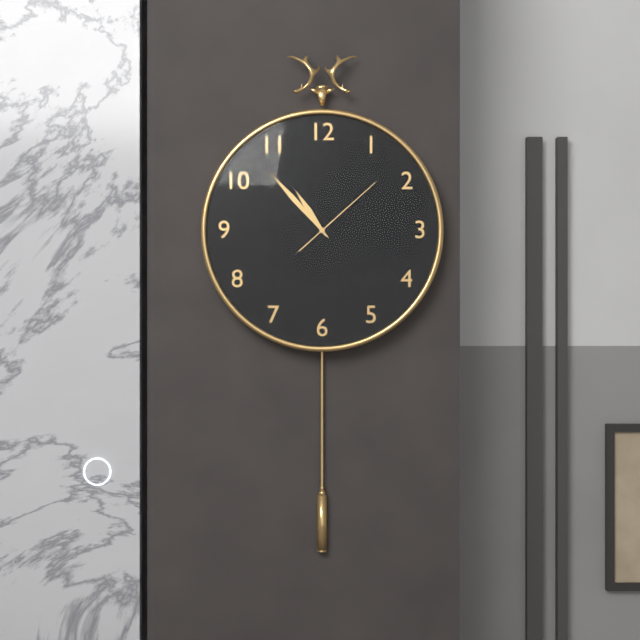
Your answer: **10:53:08**
